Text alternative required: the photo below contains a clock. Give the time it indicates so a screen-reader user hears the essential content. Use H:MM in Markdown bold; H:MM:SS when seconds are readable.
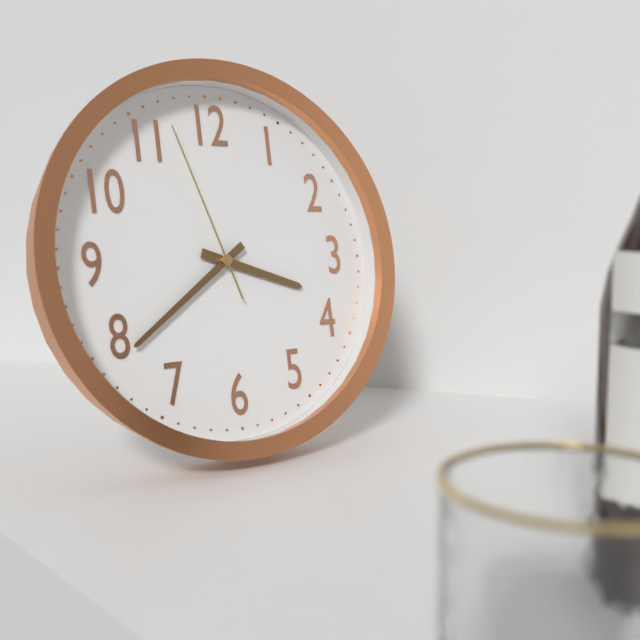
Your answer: **3:39:57**
